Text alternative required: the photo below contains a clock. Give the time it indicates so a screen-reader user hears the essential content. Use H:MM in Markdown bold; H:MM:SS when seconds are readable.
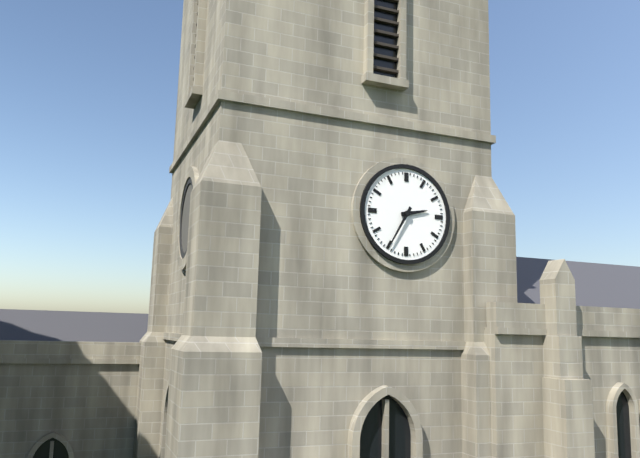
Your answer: **2:35**
